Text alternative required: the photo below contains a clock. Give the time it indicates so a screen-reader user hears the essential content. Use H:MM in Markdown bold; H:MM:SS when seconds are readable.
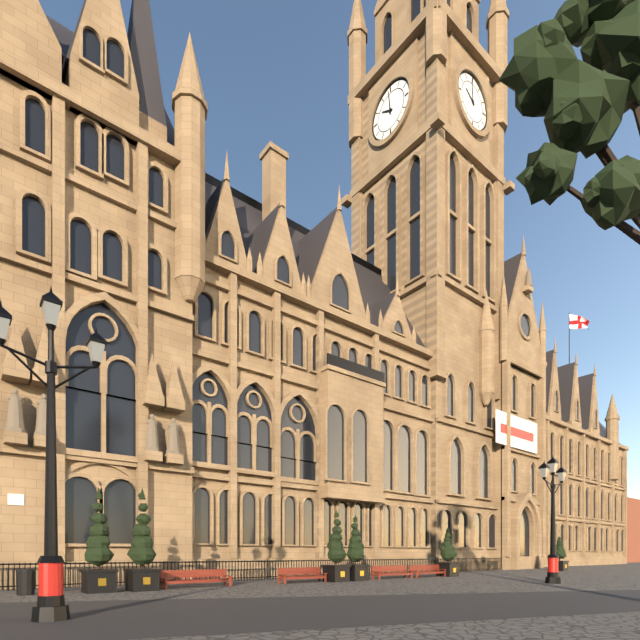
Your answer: **9:59**
